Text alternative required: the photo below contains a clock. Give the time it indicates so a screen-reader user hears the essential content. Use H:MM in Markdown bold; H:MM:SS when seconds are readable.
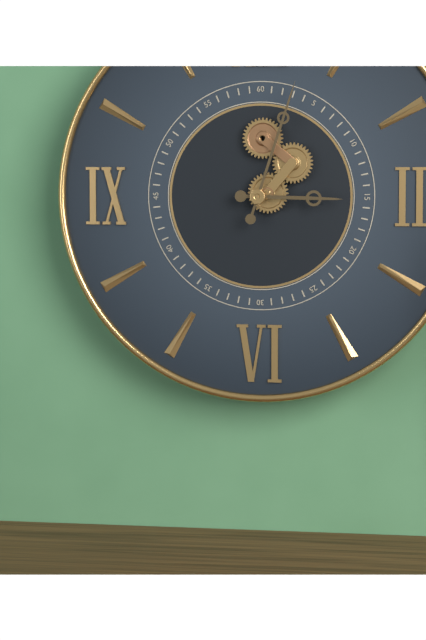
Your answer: **3:03**
